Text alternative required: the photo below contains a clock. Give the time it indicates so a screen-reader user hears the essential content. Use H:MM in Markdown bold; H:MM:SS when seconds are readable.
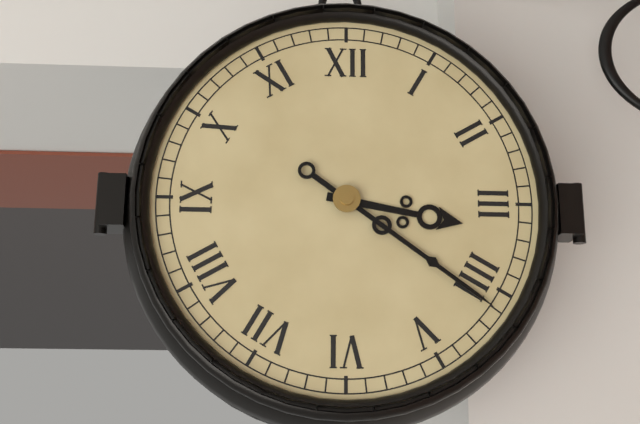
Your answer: **3:21**
